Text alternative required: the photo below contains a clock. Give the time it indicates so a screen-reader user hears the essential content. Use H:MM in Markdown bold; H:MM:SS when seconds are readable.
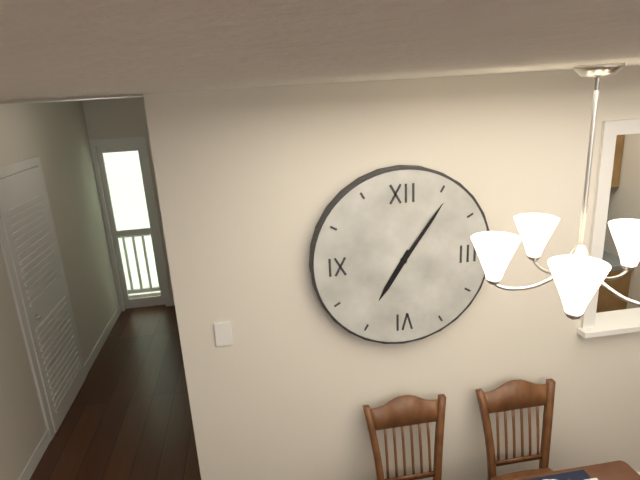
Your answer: **7:06**
